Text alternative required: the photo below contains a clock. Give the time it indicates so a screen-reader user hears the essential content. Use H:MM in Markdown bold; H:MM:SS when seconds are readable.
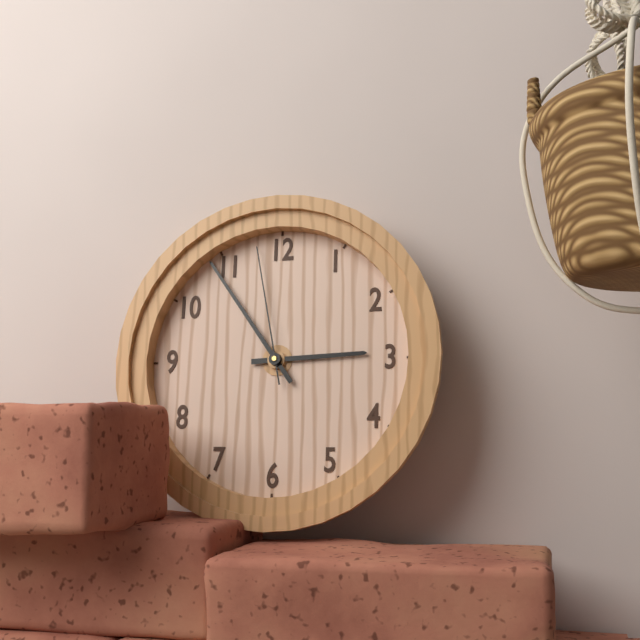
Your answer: **2:54:58**
